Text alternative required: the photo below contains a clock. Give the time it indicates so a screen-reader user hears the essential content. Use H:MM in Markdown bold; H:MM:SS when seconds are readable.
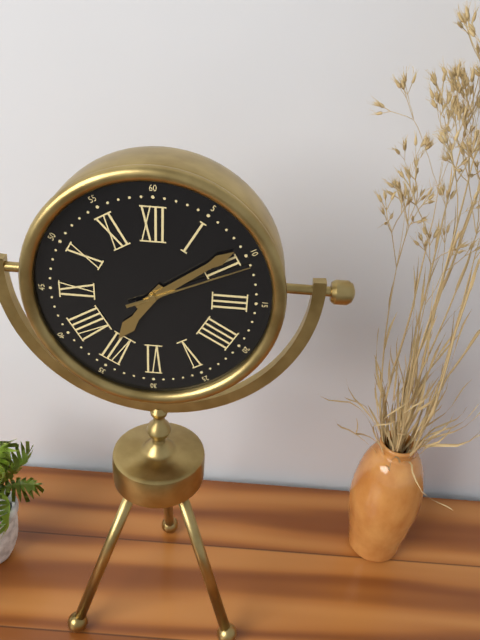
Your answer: **7:09:11**
